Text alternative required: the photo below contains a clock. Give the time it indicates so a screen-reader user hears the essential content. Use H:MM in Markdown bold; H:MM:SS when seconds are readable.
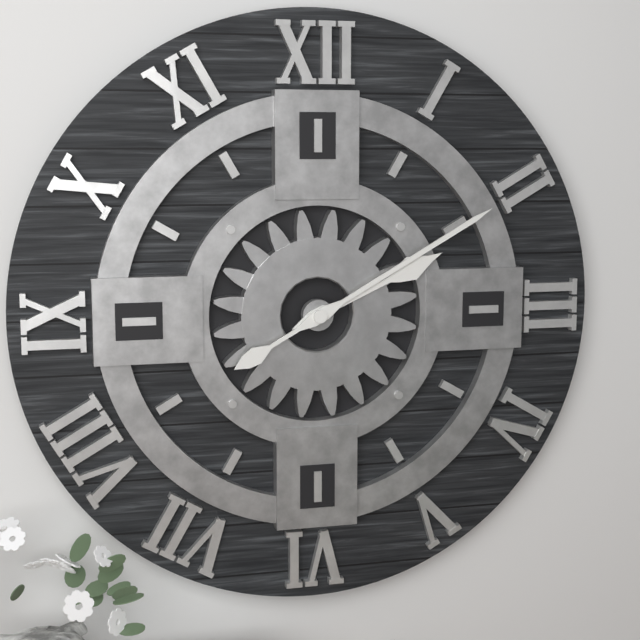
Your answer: **2:10**
